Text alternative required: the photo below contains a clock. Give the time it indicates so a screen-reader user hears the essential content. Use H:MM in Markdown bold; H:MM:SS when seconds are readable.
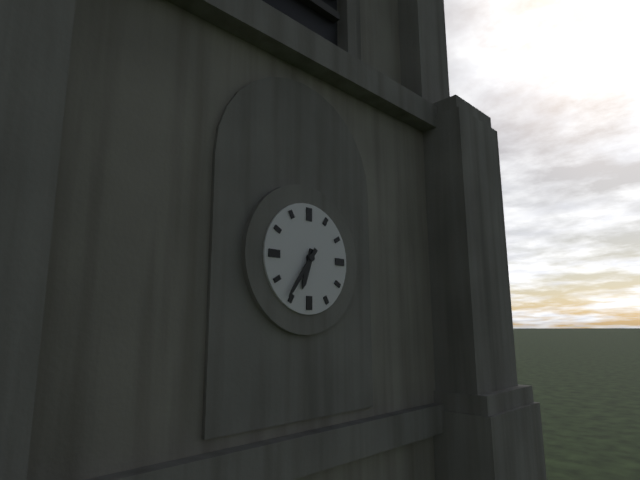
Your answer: **6:36**
